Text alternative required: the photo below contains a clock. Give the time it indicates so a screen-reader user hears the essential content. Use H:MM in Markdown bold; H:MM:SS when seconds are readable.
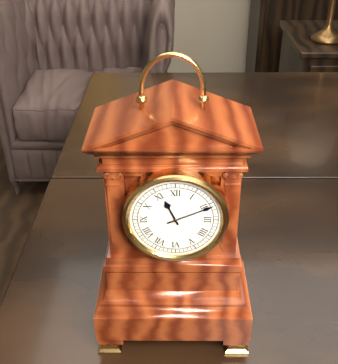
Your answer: **11:11**
